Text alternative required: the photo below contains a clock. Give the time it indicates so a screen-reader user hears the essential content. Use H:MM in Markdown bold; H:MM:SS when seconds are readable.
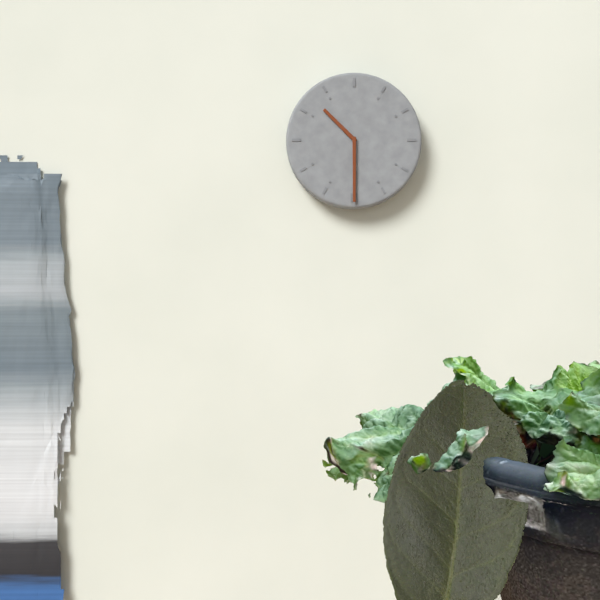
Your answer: **10:30**
